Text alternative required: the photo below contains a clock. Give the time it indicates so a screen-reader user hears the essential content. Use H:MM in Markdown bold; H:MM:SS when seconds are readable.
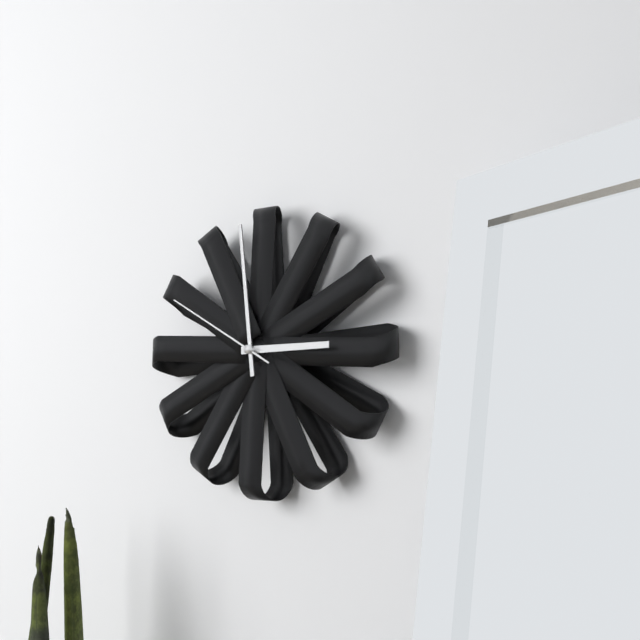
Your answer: **2:59:50**
